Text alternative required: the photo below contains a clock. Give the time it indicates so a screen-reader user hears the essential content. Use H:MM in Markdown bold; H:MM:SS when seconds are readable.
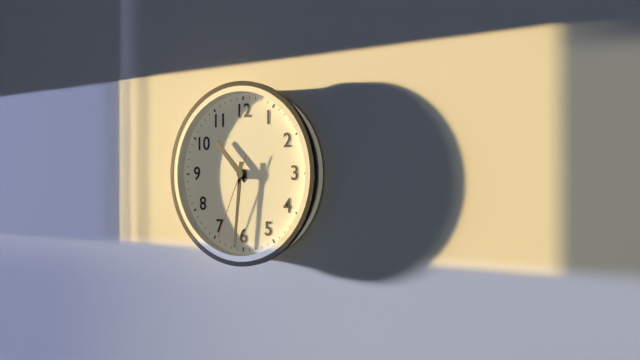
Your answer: **10:31:34**
